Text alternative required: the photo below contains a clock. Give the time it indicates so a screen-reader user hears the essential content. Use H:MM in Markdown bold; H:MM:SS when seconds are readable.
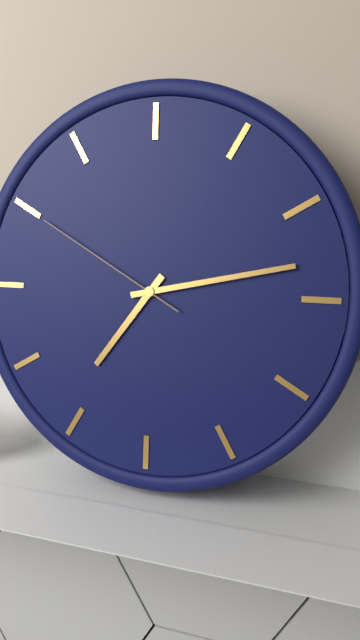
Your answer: **7:13:50**
